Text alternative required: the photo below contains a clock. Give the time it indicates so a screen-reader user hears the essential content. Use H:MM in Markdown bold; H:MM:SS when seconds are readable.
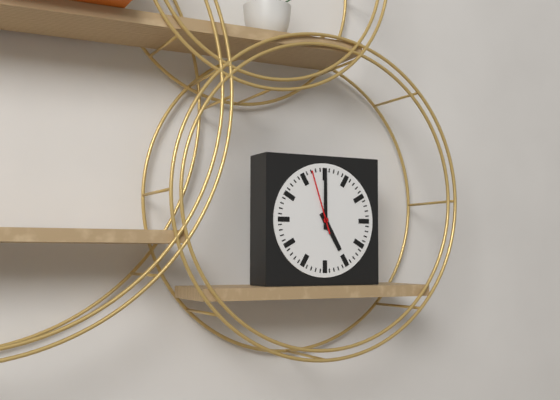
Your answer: **5:00:57**
